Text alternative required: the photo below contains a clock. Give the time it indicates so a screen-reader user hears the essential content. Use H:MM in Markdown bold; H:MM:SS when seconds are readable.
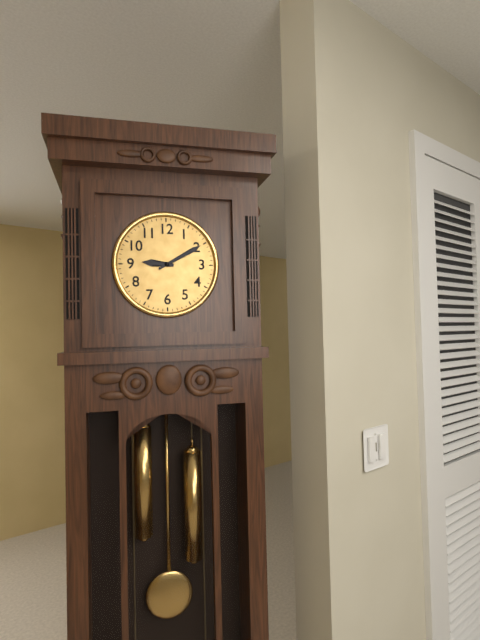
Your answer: **9:10**
